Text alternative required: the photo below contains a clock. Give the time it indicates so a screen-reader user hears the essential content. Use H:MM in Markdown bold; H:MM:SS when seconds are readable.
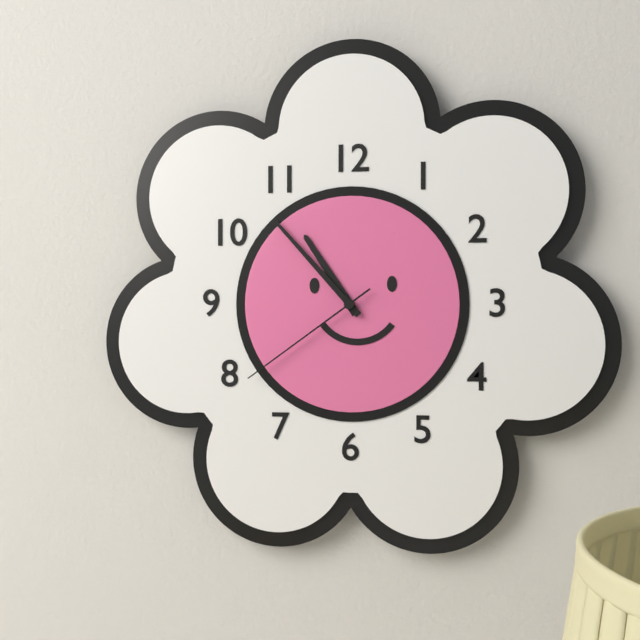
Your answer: **10:53:39**
